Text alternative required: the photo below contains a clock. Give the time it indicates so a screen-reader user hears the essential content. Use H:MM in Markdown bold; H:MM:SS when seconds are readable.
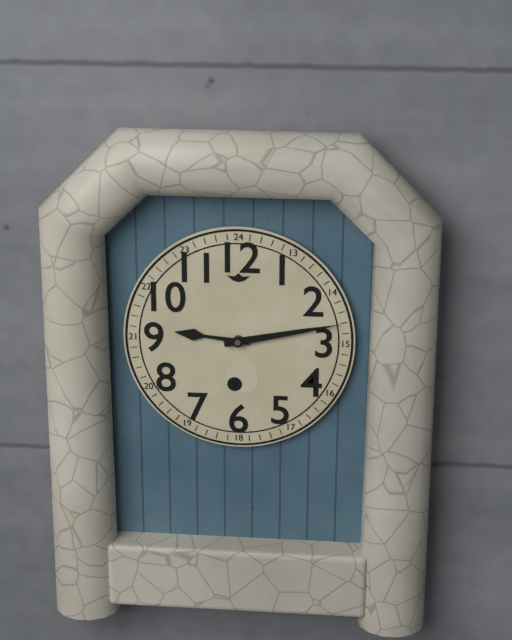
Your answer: **9:13**
